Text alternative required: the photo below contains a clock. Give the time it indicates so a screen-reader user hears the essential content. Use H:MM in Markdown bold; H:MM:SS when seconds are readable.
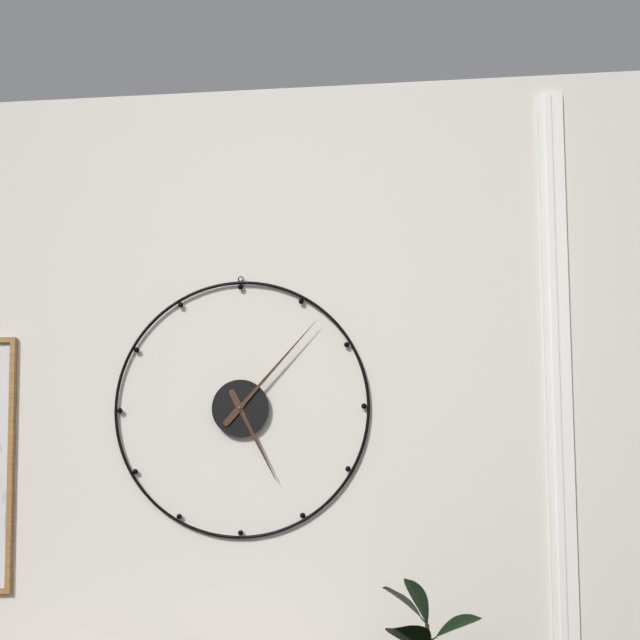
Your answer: **5:07**
